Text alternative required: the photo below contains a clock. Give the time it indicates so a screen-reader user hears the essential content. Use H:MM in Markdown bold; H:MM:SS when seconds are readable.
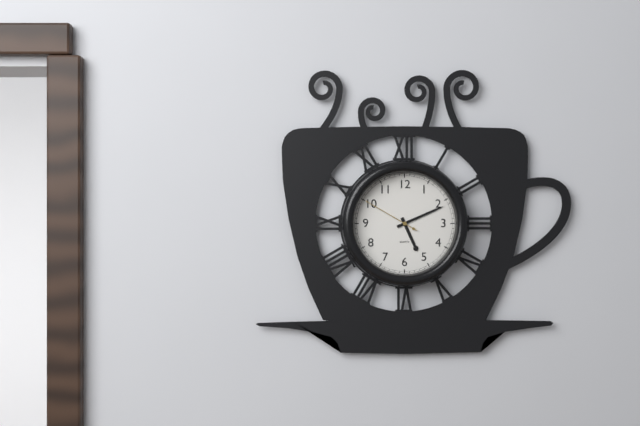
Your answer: **5:11:50**
